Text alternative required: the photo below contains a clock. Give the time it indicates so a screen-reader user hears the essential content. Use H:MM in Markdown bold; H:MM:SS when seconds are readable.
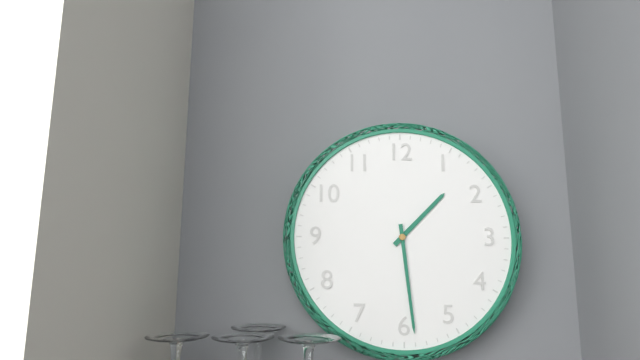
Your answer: **1:29**
